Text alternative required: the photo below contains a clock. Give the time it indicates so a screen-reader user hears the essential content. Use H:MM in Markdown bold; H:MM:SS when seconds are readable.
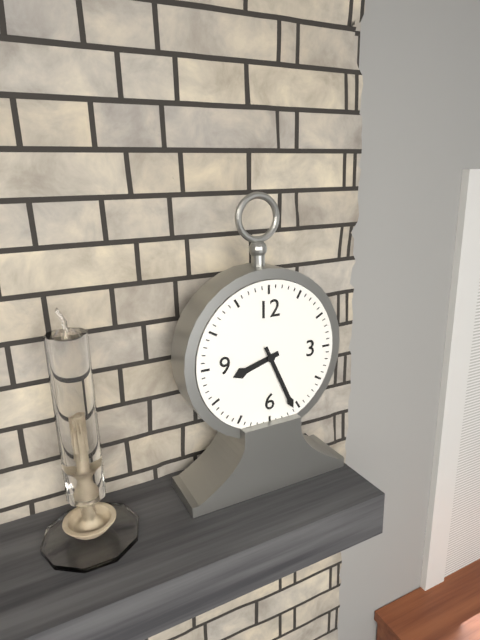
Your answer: **8:26**
